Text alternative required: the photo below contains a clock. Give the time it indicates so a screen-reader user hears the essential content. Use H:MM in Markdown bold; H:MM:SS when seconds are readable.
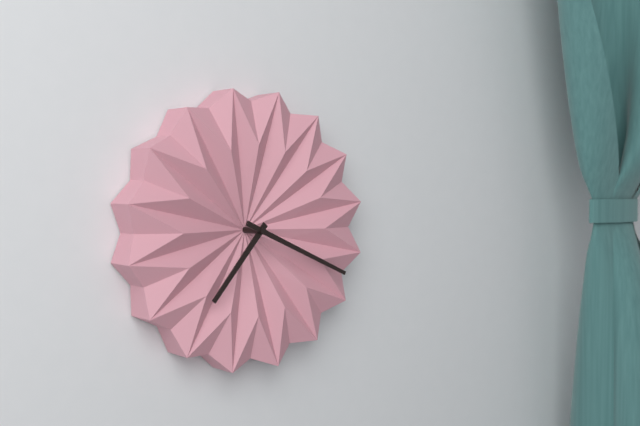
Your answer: **7:19**
